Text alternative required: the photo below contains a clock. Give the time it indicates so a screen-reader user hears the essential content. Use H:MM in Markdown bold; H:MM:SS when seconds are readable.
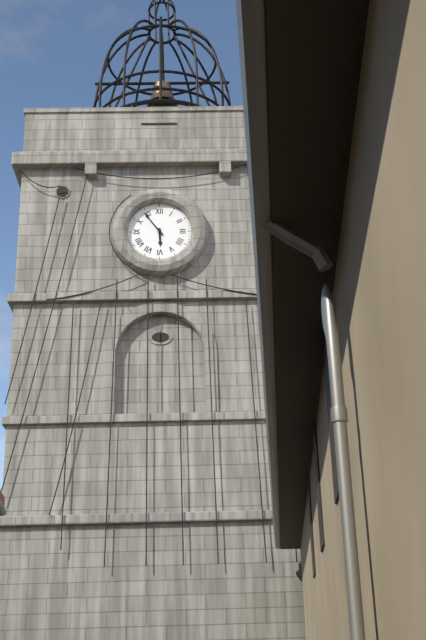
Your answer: **5:54**
